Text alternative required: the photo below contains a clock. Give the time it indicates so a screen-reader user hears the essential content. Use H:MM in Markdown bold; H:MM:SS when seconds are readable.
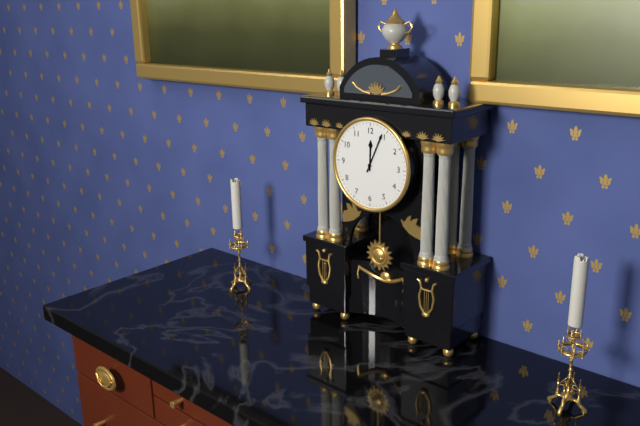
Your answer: **12:04**
